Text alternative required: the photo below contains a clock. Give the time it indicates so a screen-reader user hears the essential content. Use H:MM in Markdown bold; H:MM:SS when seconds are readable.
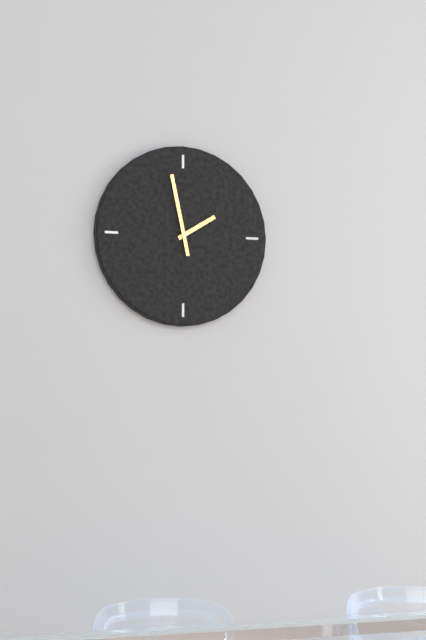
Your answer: **1:58**
